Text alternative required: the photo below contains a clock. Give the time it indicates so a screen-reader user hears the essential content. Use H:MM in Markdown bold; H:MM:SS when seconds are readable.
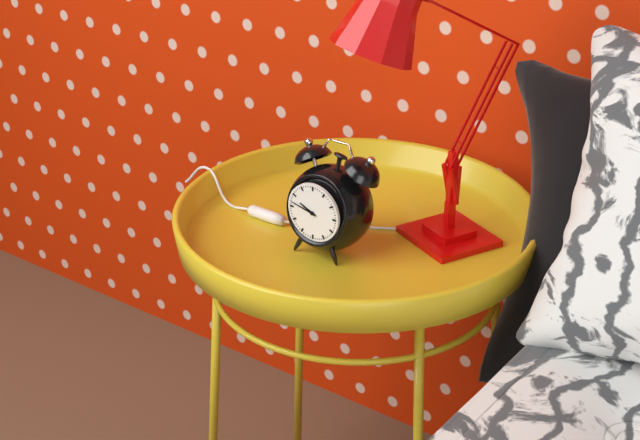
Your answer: **9:47**
